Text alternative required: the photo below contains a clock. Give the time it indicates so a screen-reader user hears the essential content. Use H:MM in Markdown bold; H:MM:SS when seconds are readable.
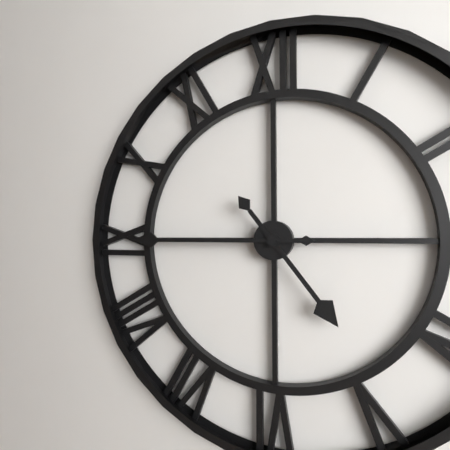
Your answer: **4:45**
